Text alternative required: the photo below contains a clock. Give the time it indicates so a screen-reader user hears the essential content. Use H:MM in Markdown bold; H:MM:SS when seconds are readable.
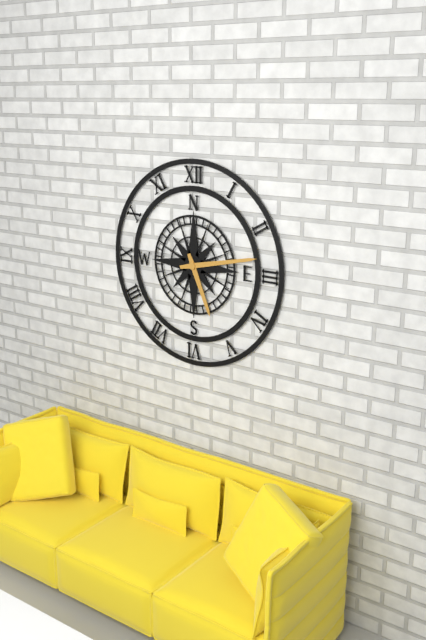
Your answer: **5:13**
